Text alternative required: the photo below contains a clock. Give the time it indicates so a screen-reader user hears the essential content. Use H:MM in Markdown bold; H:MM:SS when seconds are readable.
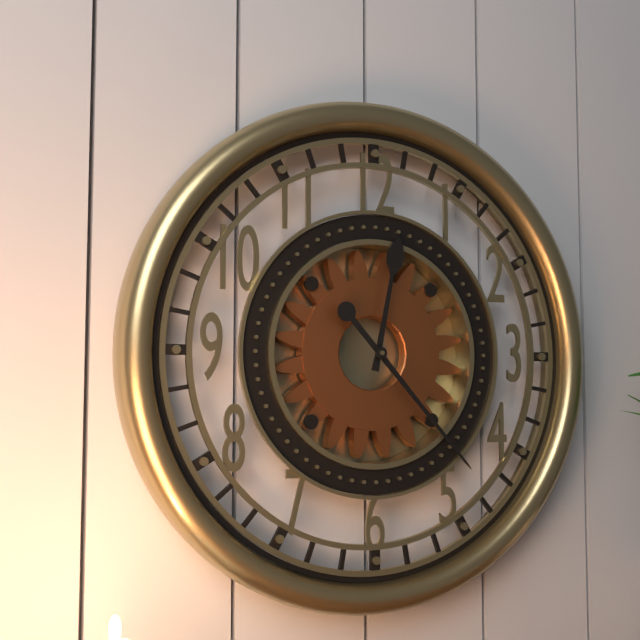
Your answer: **12:23**
